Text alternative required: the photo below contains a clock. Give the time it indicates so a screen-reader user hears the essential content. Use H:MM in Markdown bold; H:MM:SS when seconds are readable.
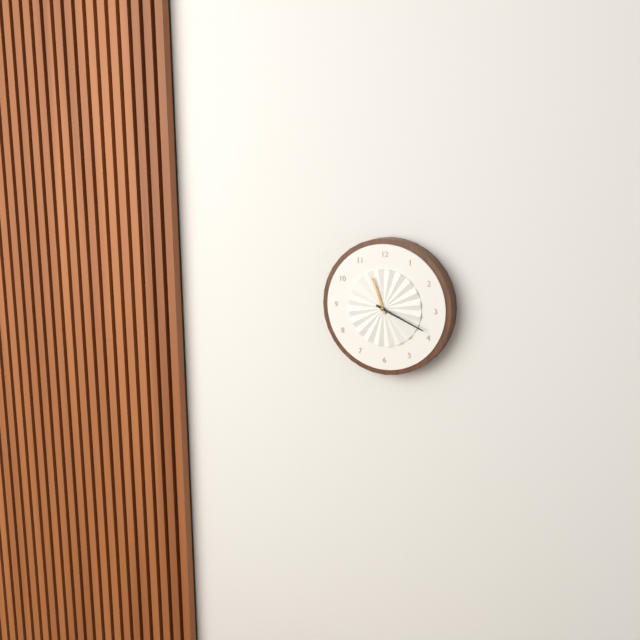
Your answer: **11:19**
